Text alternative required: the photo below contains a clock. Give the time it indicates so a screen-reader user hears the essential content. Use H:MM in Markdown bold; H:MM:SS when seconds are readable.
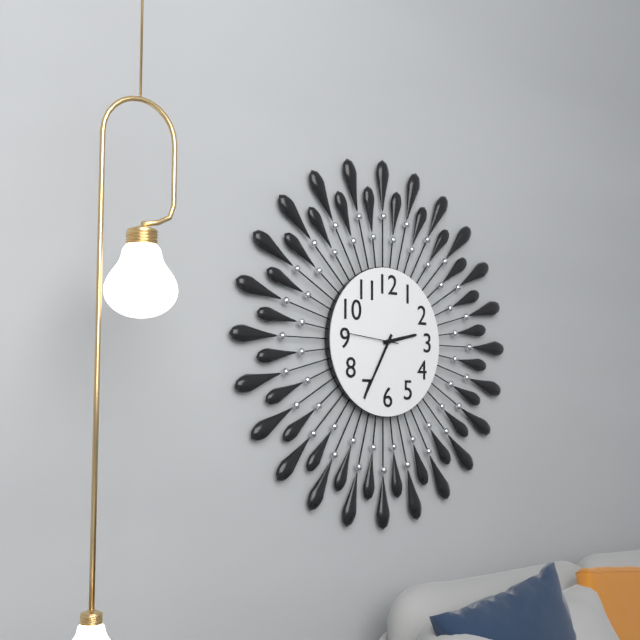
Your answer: **2:35**
